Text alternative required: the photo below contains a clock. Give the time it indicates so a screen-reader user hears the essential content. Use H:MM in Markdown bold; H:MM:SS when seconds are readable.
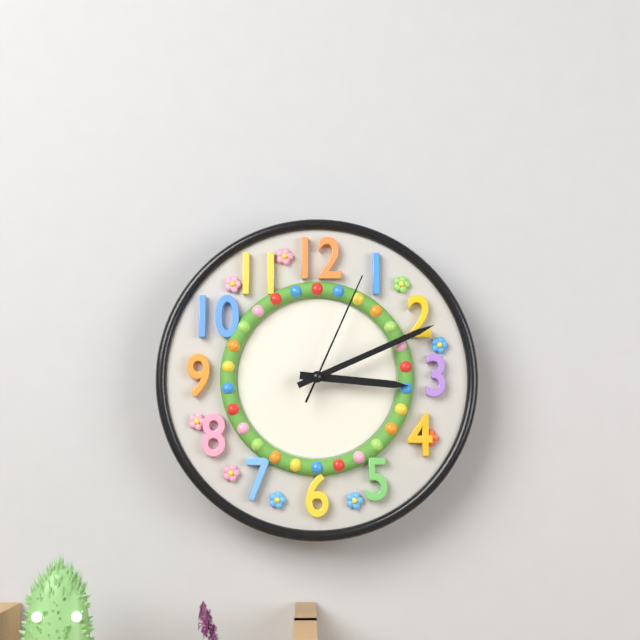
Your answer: **3:11:04**
